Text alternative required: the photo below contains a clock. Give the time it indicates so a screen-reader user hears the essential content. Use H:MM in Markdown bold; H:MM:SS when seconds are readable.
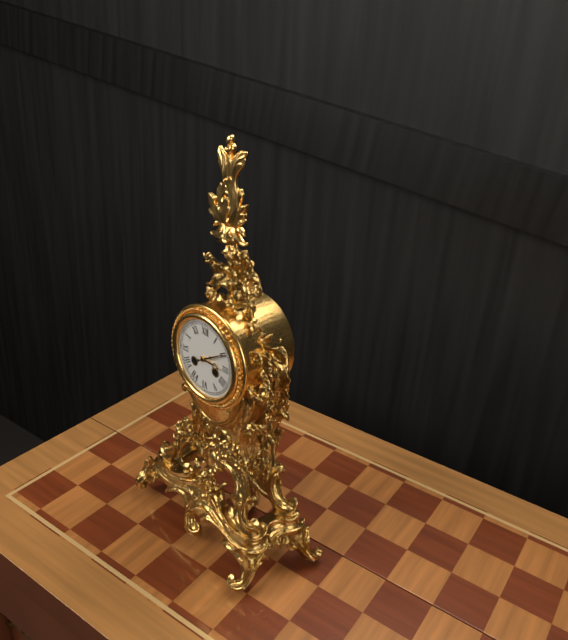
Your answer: **3:10**
